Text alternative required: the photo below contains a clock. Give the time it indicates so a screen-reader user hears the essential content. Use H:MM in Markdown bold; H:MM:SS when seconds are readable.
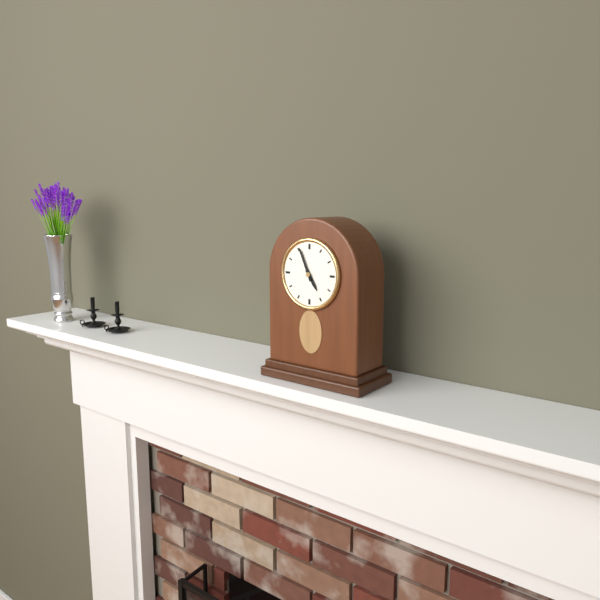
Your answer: **4:56**
